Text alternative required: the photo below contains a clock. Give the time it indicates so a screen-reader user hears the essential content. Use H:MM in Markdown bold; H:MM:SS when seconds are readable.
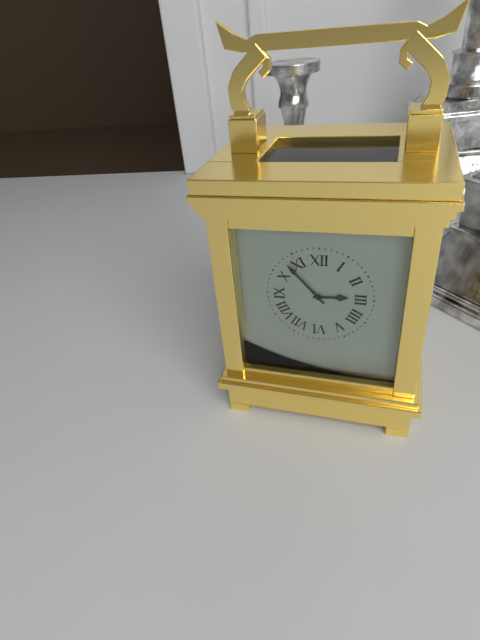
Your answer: **2:53**
